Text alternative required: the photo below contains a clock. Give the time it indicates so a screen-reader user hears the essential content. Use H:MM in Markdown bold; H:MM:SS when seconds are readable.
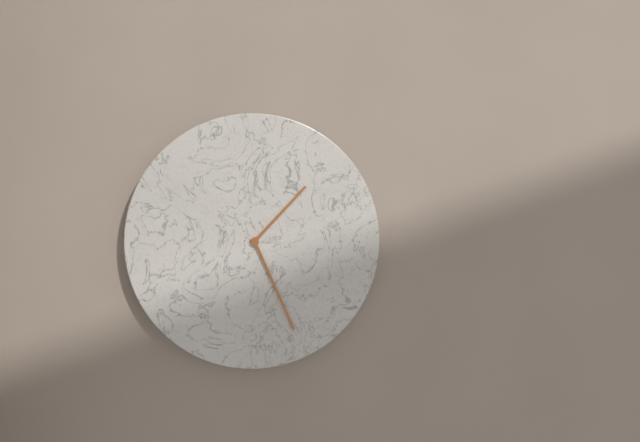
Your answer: **1:26**
